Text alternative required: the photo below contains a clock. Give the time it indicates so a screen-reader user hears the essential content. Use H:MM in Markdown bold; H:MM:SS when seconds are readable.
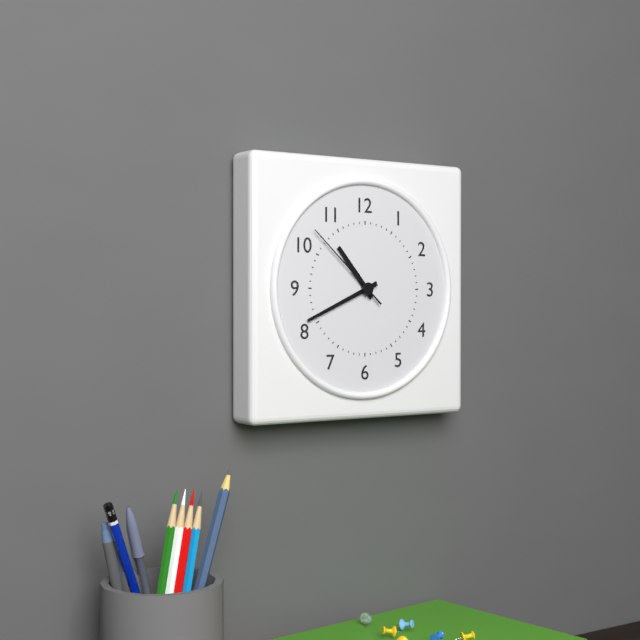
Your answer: **10:41:52**
